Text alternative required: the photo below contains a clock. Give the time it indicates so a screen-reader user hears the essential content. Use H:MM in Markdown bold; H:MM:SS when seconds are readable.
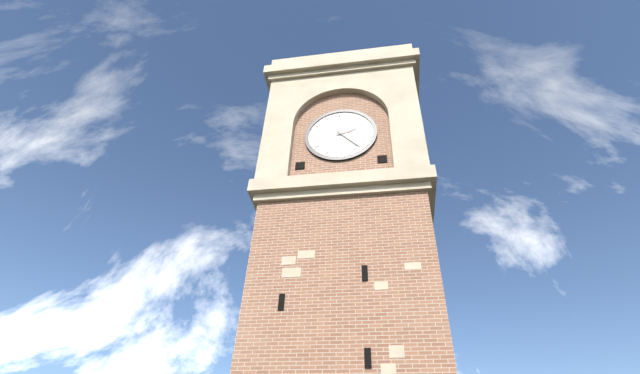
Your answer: **2:23**
